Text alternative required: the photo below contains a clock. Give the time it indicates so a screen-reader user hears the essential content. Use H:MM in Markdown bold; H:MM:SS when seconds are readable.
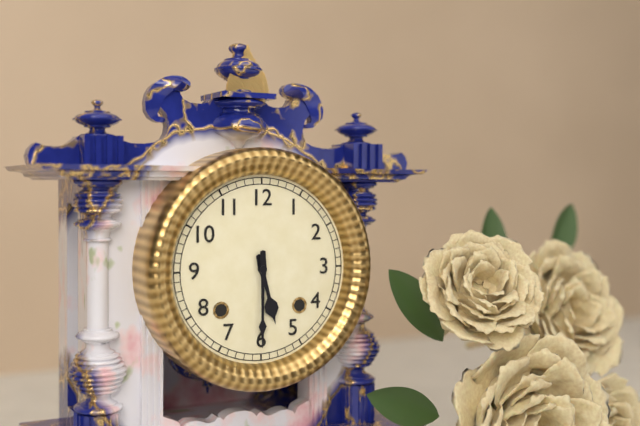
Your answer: **5:30**
